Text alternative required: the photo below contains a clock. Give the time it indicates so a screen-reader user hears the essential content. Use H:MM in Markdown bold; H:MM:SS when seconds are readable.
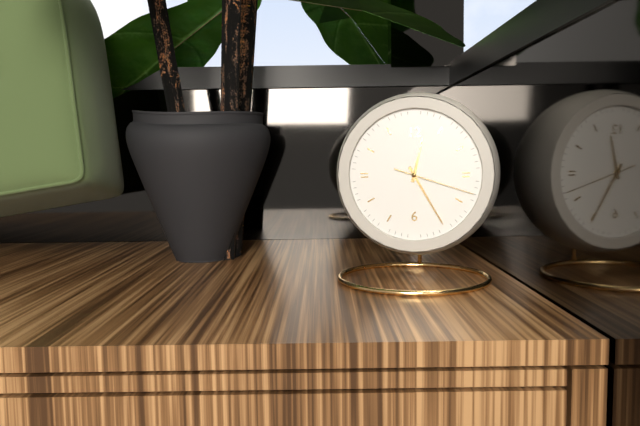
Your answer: **12:25:18**
